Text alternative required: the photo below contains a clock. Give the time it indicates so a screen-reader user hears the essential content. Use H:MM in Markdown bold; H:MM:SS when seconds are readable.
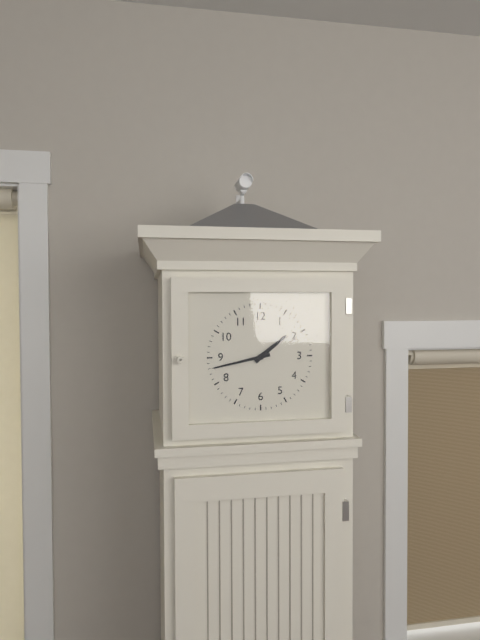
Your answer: **1:43**
